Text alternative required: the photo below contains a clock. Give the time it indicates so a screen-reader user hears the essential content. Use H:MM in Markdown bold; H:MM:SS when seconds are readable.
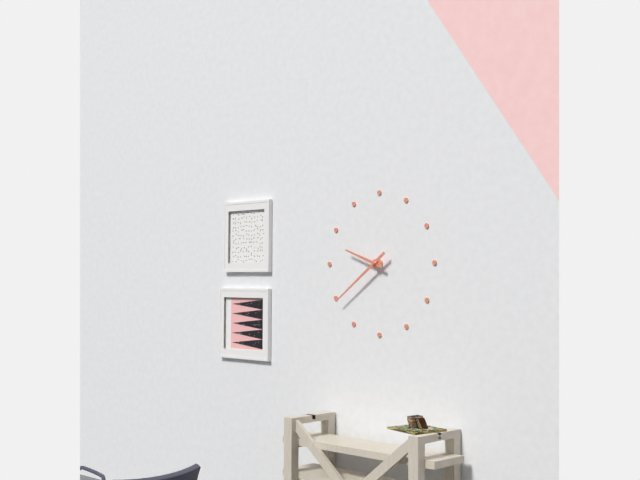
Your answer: **9:39**
